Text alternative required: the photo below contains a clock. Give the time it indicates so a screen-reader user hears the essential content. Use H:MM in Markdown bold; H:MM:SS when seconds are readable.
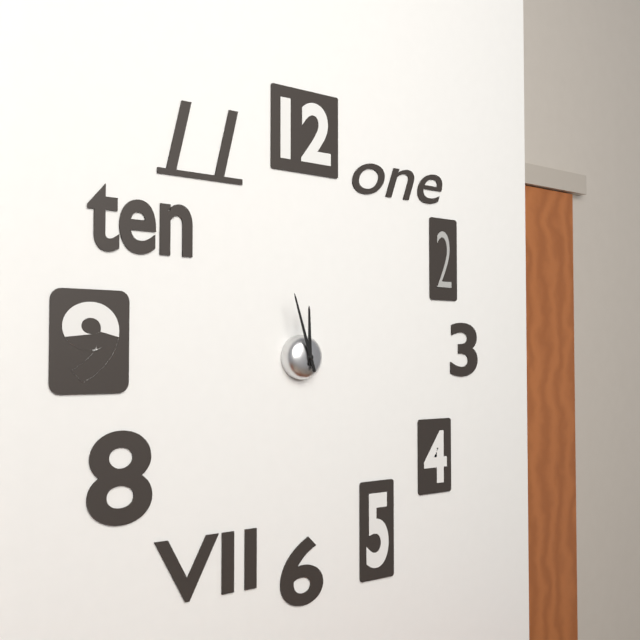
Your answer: **11:57**
